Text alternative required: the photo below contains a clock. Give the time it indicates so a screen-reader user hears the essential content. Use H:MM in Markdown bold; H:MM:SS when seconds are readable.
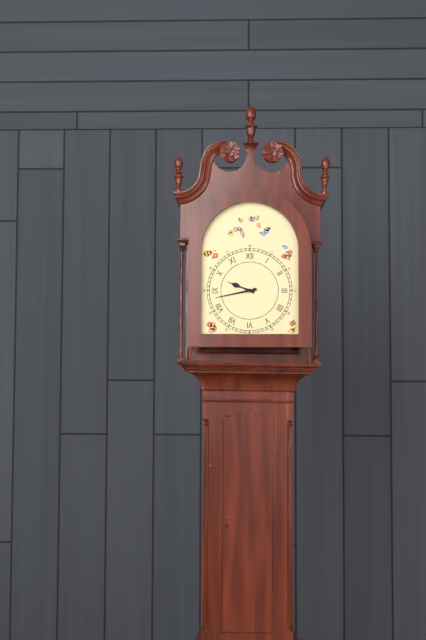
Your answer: **9:43**
